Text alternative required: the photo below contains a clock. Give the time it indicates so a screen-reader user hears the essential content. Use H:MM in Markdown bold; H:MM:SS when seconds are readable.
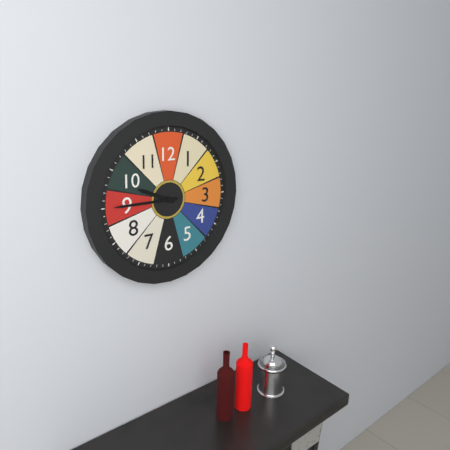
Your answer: **9:45**
